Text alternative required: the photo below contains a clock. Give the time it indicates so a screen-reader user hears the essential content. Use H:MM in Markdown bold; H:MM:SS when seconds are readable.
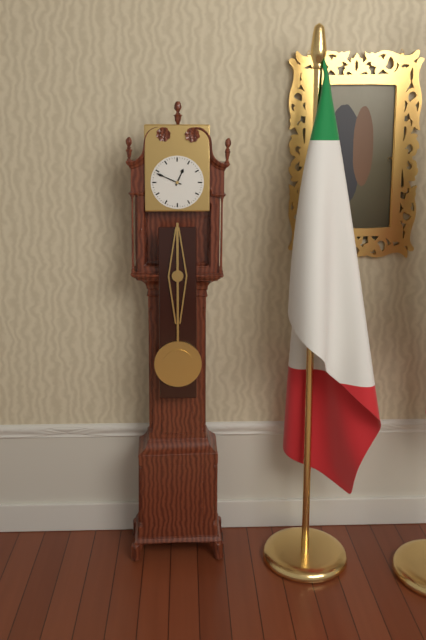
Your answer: **12:49**
